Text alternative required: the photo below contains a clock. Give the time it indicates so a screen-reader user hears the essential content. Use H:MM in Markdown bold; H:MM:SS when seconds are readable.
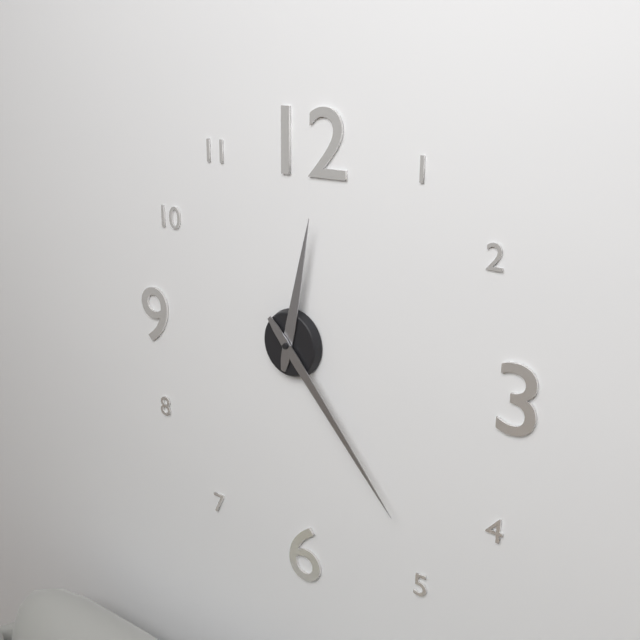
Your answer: **12:23**
